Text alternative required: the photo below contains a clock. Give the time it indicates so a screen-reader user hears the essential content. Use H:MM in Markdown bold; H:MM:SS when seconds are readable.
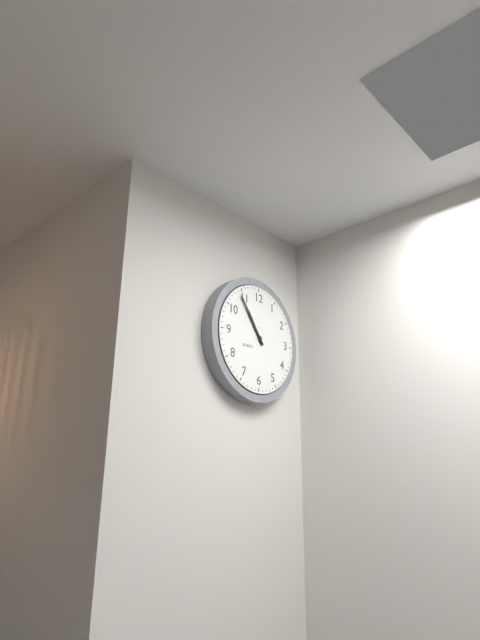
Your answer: **10:54**
